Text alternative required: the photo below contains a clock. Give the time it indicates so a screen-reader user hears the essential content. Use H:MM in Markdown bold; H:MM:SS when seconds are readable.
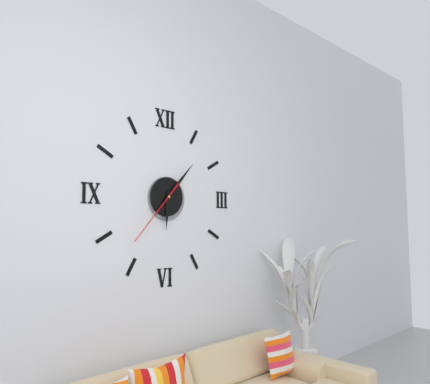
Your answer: **6:07:37**
